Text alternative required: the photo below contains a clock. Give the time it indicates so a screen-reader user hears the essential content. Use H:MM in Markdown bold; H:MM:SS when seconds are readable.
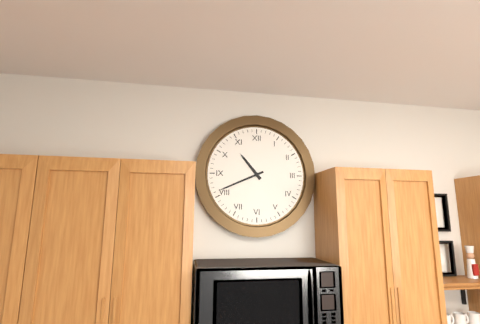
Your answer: **10:41**
